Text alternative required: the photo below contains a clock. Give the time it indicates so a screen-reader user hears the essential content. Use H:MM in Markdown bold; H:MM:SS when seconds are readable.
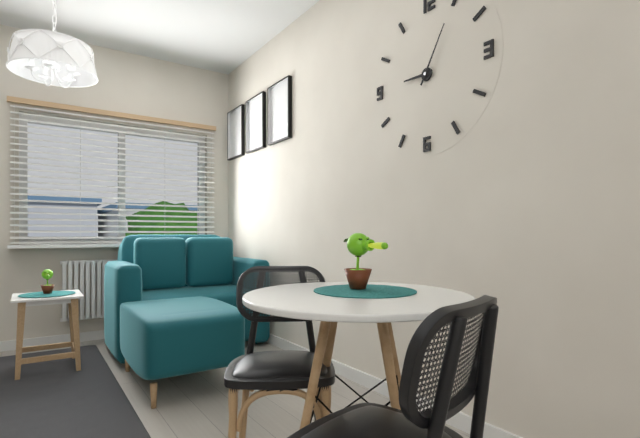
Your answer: **9:05**
